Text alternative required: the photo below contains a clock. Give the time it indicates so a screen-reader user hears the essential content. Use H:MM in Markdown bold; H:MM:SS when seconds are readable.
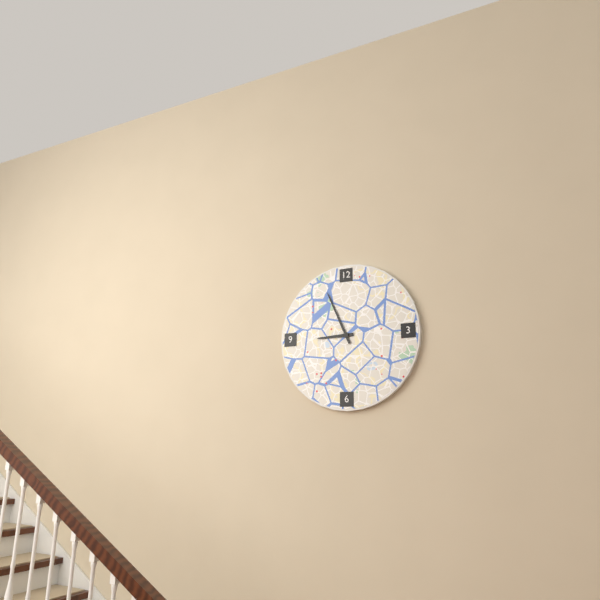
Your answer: **8:56**
